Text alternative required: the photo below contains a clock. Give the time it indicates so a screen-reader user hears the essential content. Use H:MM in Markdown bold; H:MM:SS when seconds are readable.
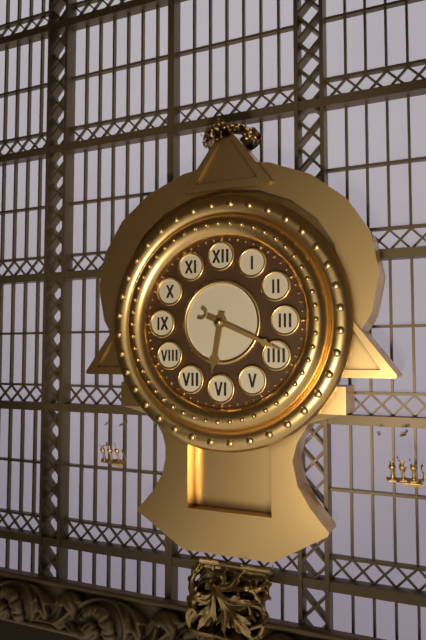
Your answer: **6:19**
